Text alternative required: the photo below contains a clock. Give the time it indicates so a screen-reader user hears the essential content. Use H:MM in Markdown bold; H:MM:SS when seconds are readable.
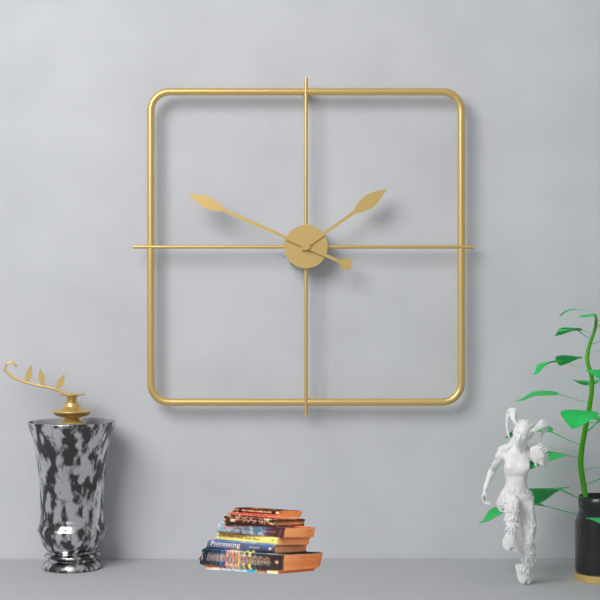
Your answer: **1:49**
